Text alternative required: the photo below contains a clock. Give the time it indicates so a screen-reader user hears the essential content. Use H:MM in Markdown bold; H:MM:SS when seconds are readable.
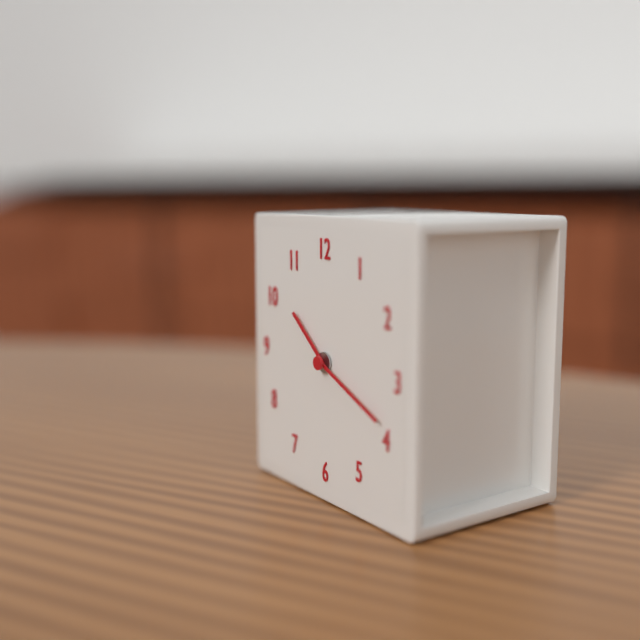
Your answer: **10:19**
